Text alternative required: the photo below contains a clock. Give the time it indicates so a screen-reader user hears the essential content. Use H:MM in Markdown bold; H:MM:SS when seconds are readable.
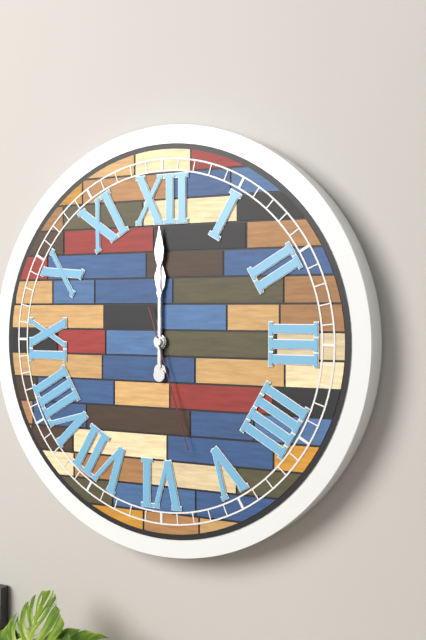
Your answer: **12:00:27**
